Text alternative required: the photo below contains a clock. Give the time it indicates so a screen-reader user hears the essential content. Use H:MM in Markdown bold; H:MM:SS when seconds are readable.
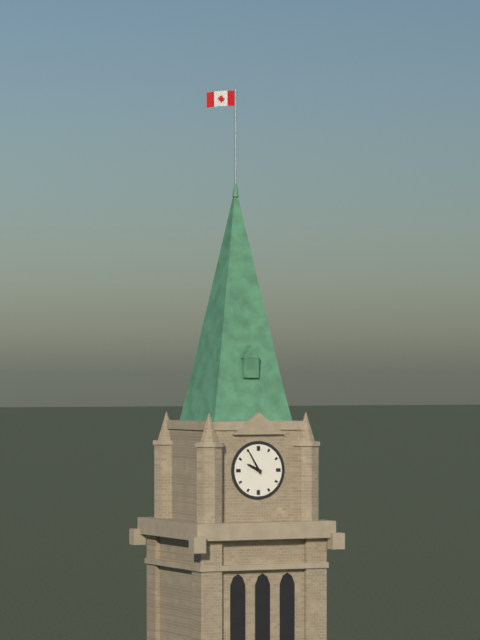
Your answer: **9:55**
